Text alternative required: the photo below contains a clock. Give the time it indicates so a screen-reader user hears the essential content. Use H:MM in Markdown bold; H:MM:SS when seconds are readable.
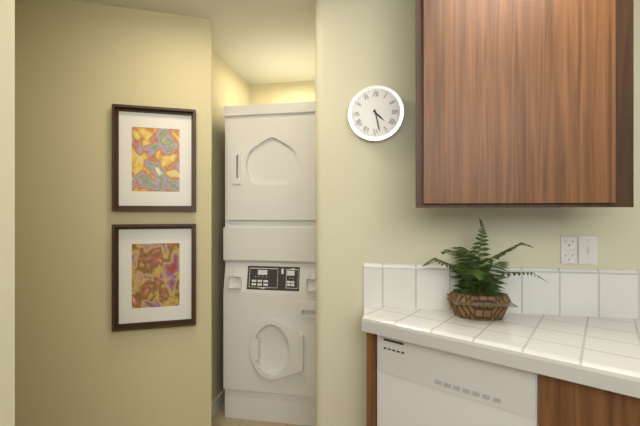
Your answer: **4:28**
